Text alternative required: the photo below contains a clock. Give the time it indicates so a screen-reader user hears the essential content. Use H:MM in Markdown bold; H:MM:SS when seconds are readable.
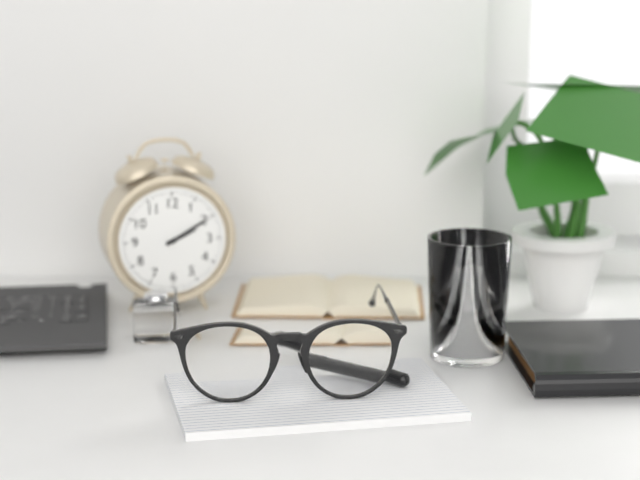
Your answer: **2:10**
